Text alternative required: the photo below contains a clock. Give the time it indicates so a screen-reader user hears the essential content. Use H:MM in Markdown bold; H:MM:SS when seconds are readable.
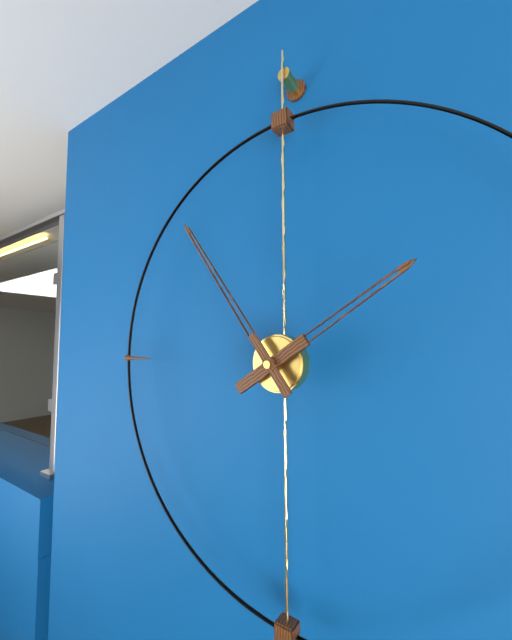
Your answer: **1:54**
